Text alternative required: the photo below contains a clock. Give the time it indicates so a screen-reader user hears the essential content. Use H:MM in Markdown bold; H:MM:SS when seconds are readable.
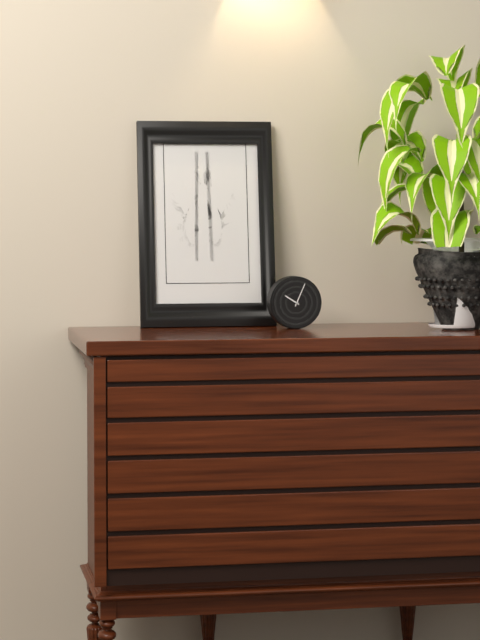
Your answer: **10:04**
